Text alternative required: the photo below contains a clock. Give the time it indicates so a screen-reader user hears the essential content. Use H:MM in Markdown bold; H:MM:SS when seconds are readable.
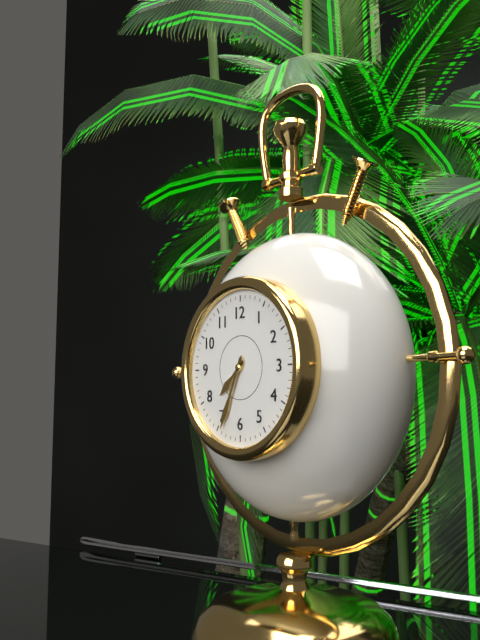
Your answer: **7:34**
